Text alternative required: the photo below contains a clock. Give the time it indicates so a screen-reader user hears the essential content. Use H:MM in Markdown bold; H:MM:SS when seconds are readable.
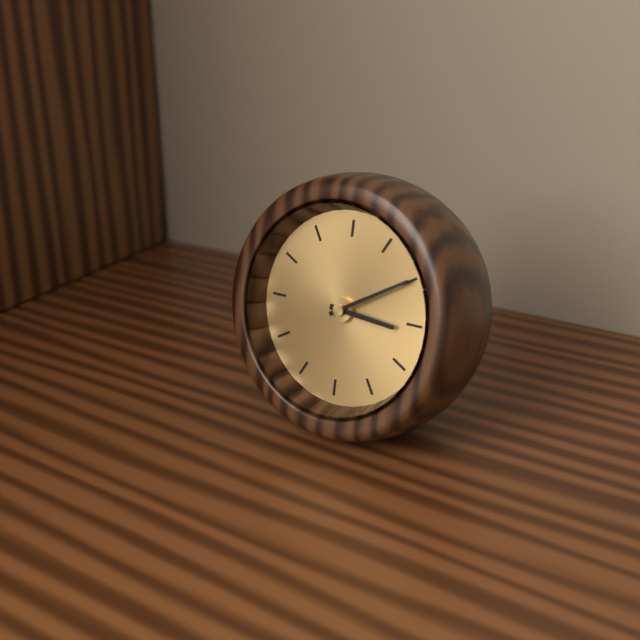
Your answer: **3:10**
